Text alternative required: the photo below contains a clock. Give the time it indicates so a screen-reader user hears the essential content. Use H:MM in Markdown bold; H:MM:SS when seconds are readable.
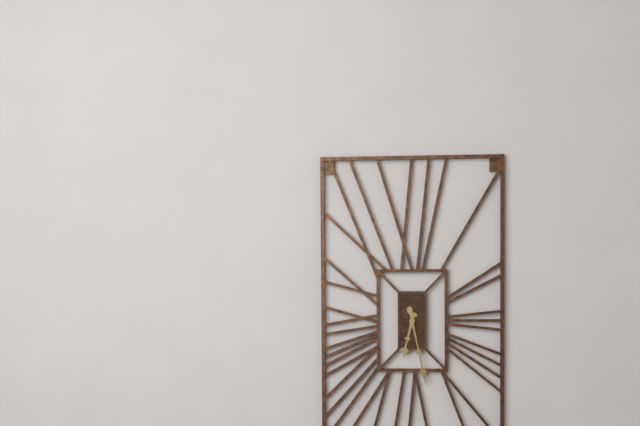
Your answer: **6:28**
